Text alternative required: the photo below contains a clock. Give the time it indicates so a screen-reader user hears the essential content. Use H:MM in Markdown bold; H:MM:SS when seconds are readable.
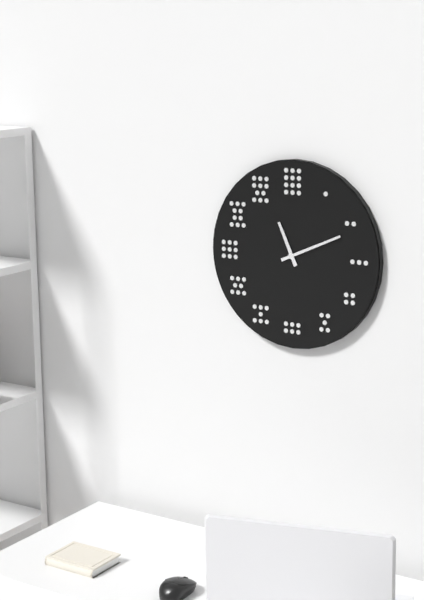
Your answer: **11:11**
